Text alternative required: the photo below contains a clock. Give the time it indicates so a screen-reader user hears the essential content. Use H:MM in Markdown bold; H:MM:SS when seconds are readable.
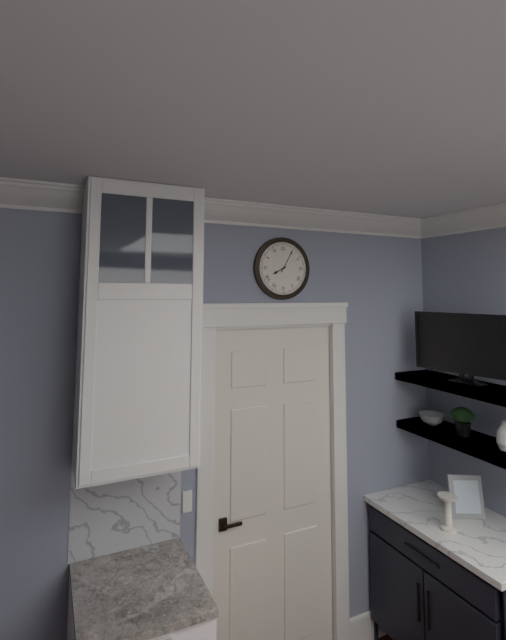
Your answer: **8:05**
